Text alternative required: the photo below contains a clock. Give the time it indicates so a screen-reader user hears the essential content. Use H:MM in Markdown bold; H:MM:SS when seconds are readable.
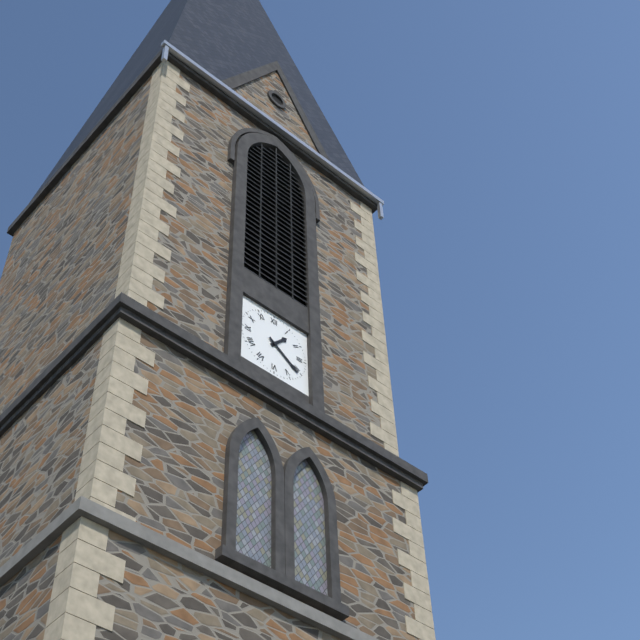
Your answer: **1:21**
